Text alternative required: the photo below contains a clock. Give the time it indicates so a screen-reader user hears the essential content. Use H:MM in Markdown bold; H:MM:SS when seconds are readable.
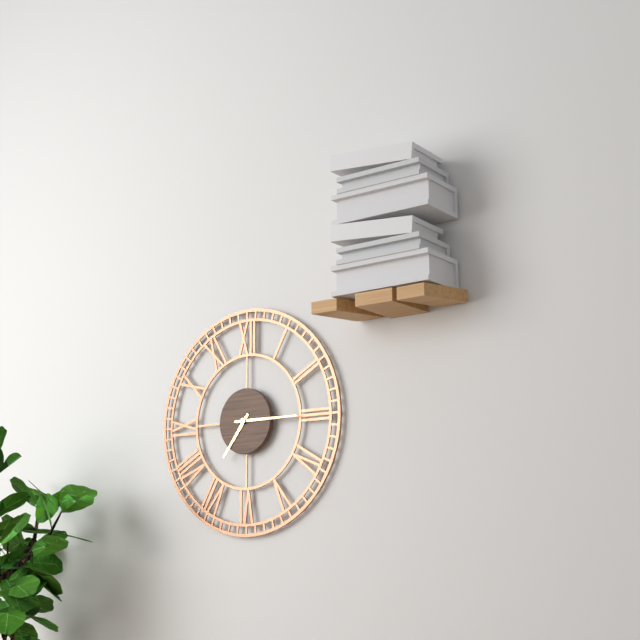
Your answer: **7:15**
